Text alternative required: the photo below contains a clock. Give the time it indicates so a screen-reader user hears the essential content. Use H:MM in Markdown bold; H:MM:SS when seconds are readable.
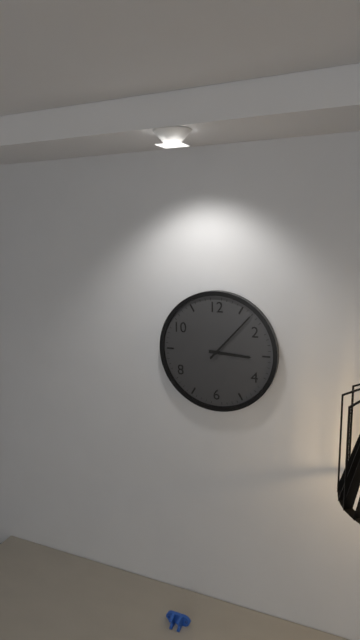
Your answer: **3:07**
